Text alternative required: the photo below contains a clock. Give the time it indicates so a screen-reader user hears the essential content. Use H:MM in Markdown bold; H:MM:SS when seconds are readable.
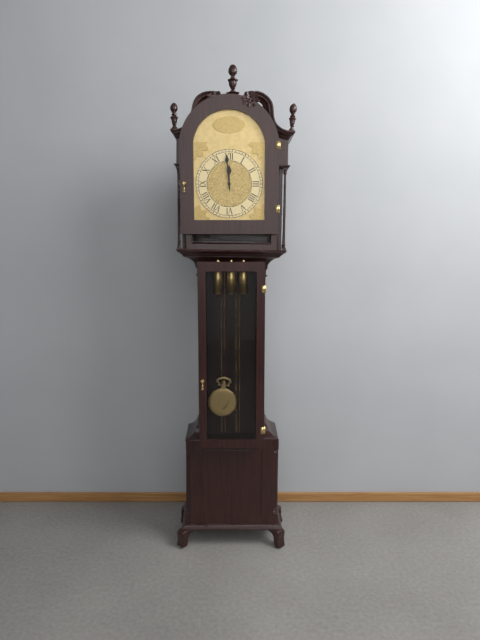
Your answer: **11:59**
